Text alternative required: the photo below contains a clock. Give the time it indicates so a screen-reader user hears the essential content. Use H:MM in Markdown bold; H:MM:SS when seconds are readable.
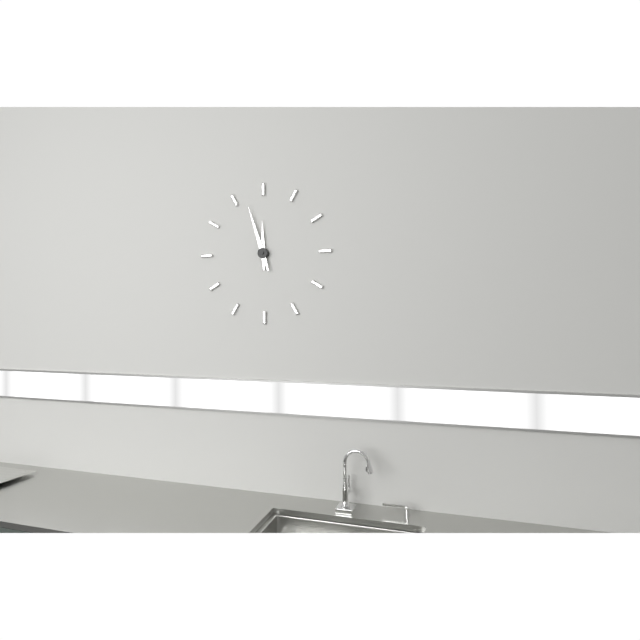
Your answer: **11:57**
